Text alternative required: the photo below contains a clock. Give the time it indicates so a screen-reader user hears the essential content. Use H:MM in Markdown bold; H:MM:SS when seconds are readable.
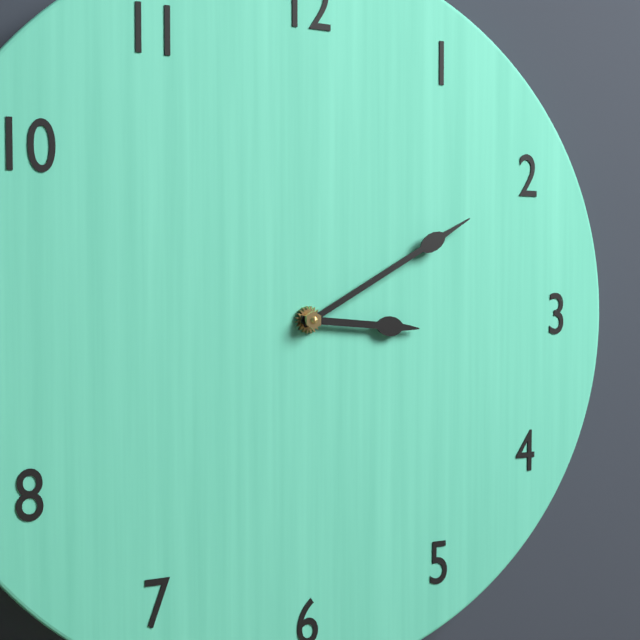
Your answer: **3:10**
